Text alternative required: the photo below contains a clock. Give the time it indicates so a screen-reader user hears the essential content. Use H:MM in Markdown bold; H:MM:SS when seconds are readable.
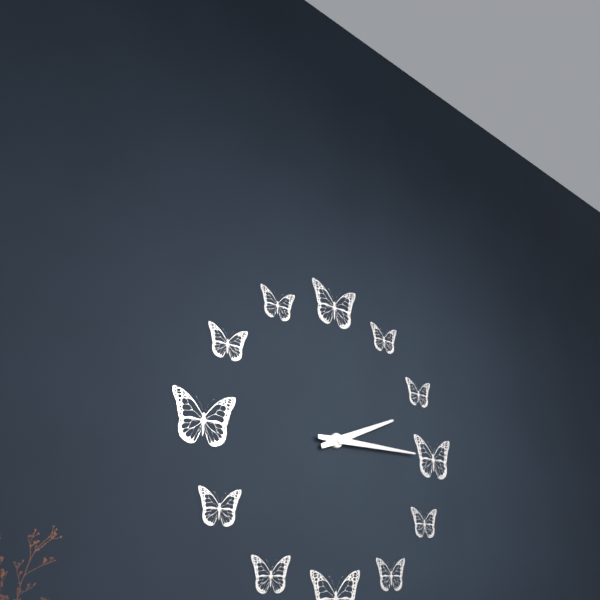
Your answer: **2:15**
